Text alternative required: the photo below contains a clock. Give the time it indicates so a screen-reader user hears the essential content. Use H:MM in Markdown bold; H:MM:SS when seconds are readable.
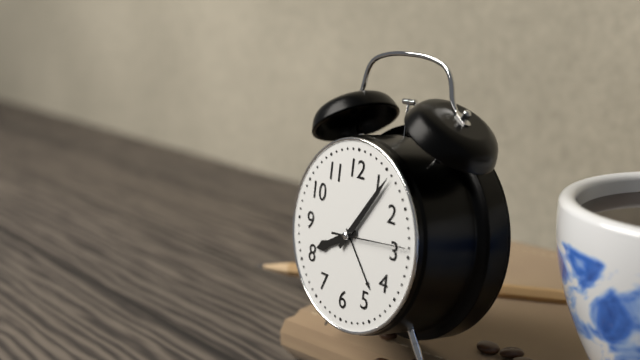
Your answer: **8:06:14**
